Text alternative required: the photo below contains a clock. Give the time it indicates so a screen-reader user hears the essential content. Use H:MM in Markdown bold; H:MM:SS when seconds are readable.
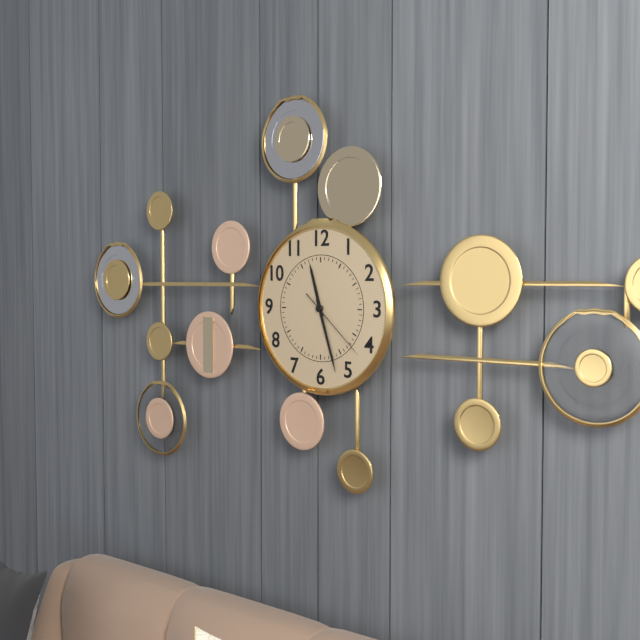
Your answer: **11:27:22**
